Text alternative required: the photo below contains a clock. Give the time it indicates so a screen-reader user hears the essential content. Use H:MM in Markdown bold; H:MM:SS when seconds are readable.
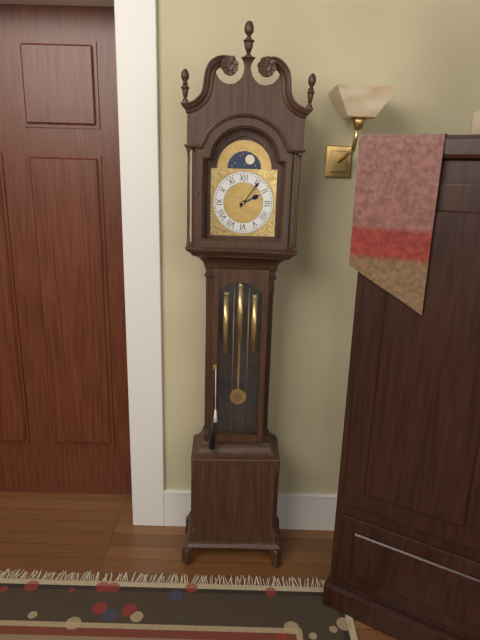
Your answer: **2:06**
